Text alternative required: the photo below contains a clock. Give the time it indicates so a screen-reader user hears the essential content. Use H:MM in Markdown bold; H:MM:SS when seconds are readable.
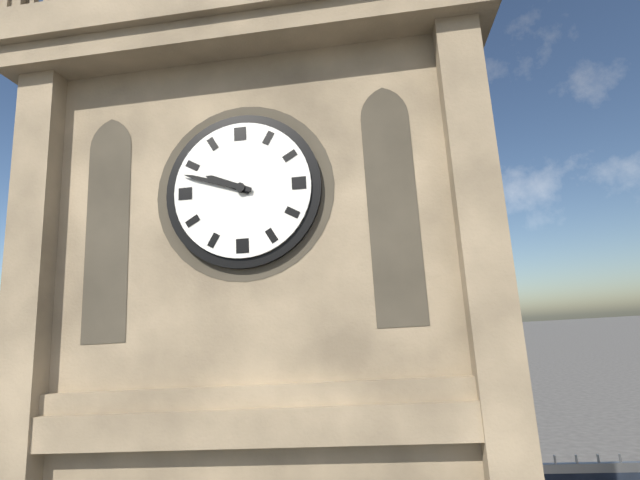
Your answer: **9:48**
